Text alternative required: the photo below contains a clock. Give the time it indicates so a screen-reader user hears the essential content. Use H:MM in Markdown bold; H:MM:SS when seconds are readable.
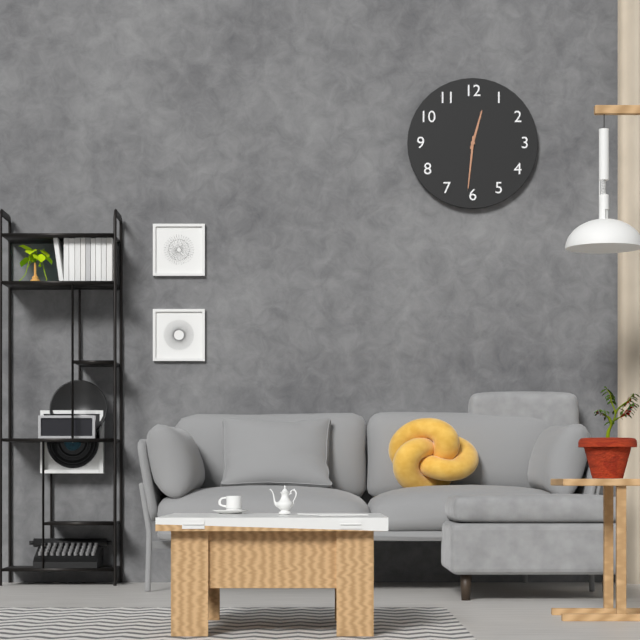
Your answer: **12:31**
